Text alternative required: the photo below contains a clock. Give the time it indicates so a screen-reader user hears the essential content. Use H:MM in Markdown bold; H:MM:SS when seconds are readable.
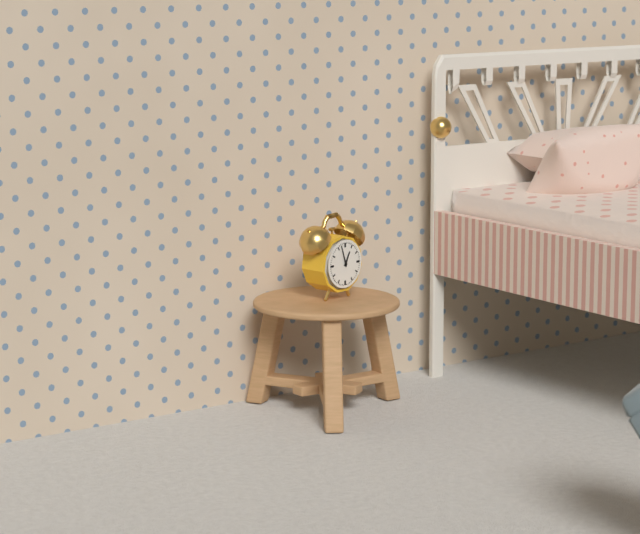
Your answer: **12:57**
